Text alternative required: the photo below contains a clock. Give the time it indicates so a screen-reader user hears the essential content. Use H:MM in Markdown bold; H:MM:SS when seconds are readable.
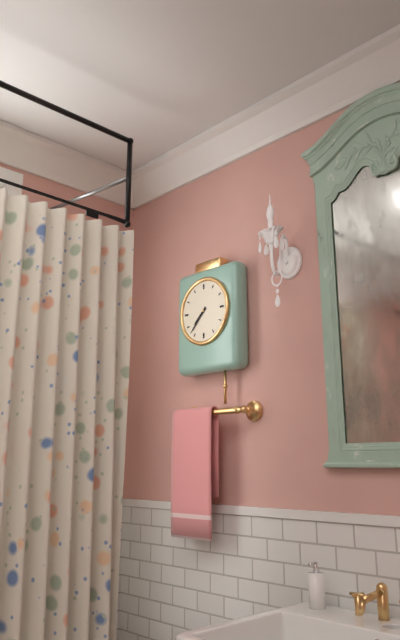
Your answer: **7:37**
